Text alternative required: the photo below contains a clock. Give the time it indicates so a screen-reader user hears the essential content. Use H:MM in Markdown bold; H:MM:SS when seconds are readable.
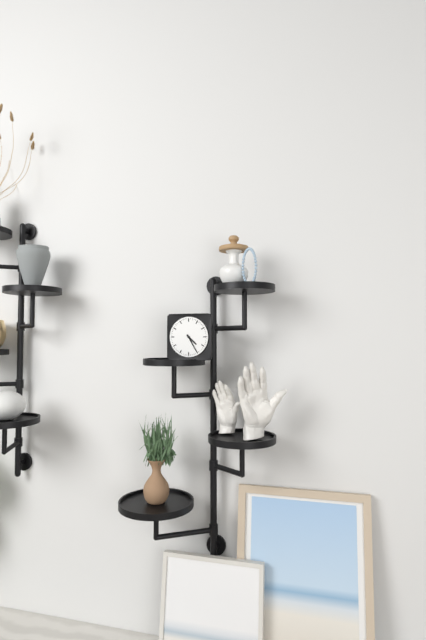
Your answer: **4:25**
